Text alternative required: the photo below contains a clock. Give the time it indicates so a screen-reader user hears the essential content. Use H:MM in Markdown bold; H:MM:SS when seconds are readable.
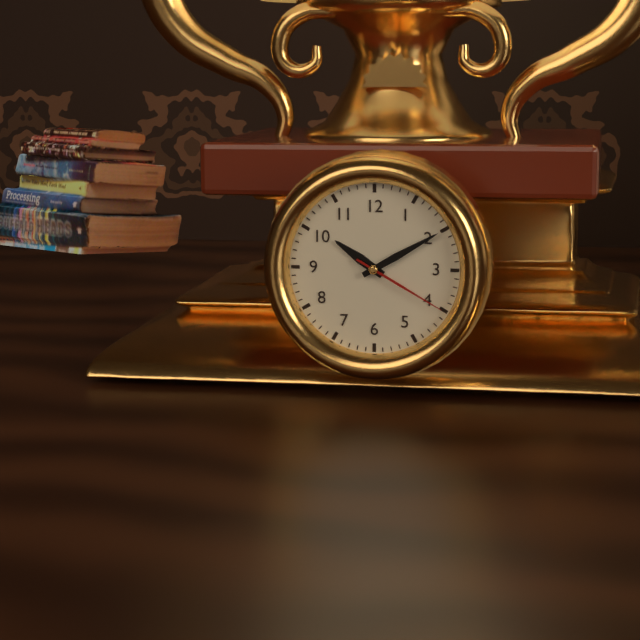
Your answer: **10:10:20**
